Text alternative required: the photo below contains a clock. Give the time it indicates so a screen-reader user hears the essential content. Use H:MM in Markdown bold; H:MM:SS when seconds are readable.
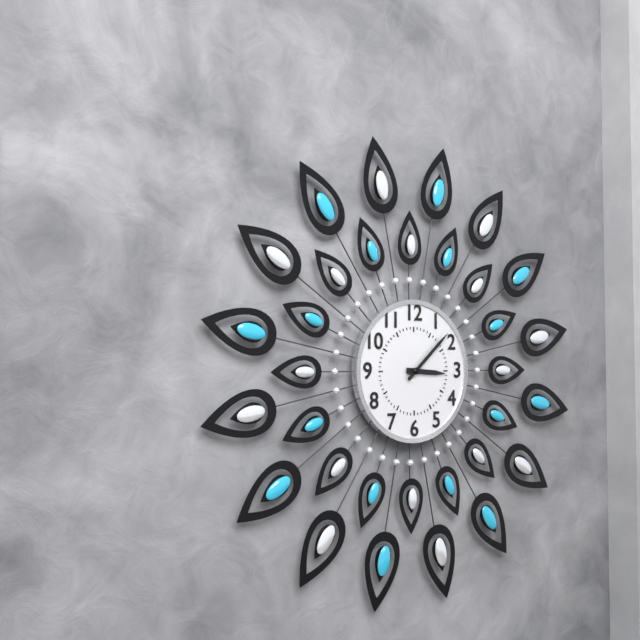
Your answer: **3:08**
